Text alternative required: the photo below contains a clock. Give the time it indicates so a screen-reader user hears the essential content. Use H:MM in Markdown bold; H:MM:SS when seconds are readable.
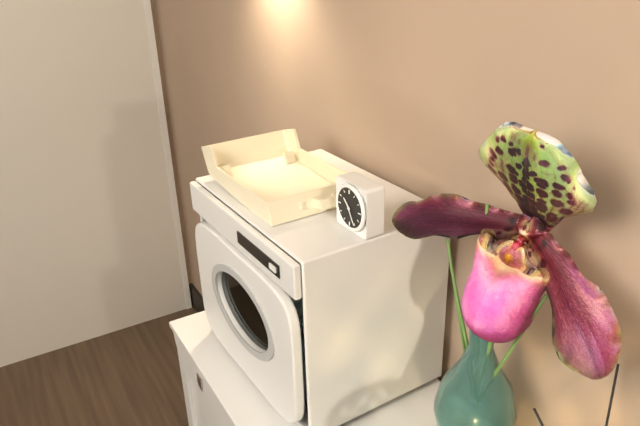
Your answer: **10:25**
